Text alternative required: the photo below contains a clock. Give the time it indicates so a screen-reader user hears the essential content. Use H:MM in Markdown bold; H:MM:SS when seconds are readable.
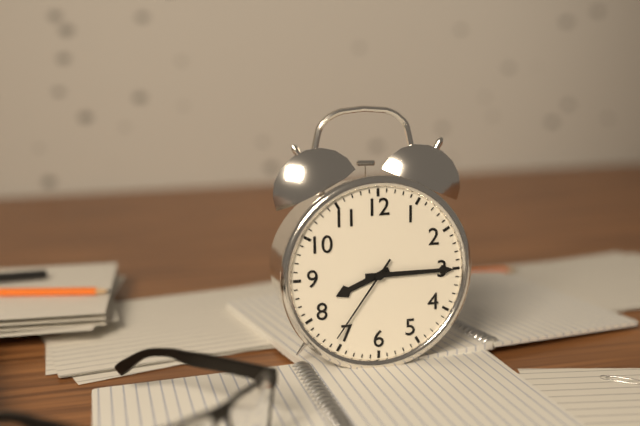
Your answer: **8:15:36**
